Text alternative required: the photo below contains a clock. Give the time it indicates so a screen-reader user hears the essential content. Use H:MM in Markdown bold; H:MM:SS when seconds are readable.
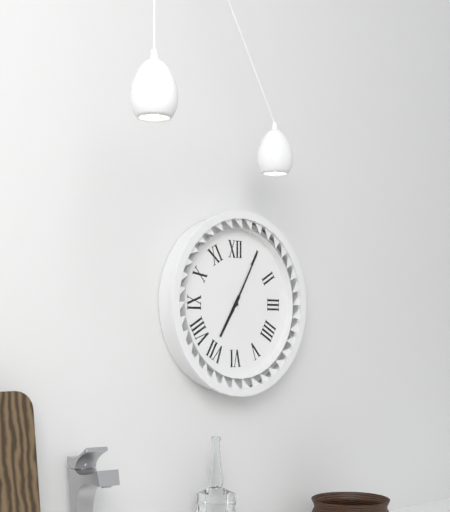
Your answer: **7:05**
